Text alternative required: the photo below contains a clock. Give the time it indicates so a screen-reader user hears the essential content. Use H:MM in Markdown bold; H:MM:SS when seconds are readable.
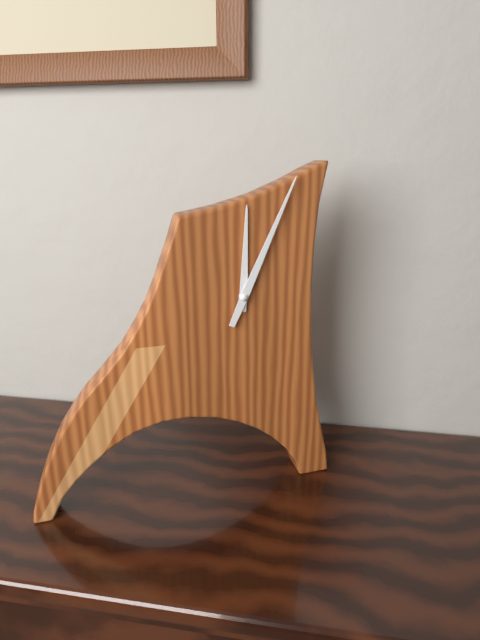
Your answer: **12:04**
